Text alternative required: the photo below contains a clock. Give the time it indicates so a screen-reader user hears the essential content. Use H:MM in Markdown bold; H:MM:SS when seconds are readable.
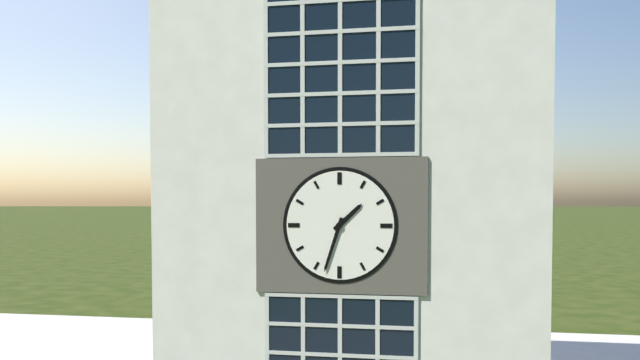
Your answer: **1:33**
